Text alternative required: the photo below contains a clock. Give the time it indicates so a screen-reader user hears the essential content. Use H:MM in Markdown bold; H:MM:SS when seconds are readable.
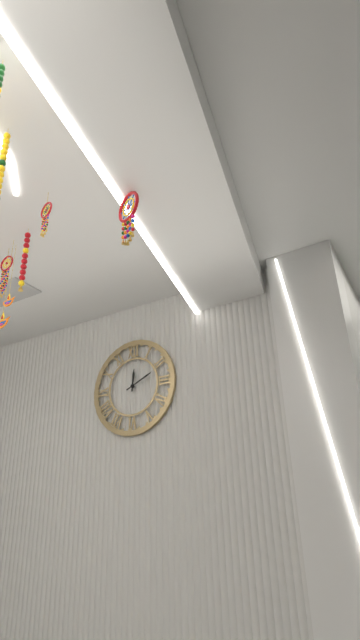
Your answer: **12:11**
